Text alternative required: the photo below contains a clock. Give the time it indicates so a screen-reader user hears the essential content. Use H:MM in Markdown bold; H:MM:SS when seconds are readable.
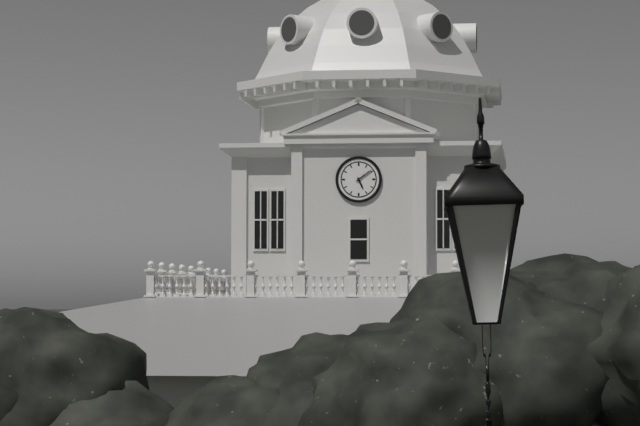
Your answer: **5:09**
